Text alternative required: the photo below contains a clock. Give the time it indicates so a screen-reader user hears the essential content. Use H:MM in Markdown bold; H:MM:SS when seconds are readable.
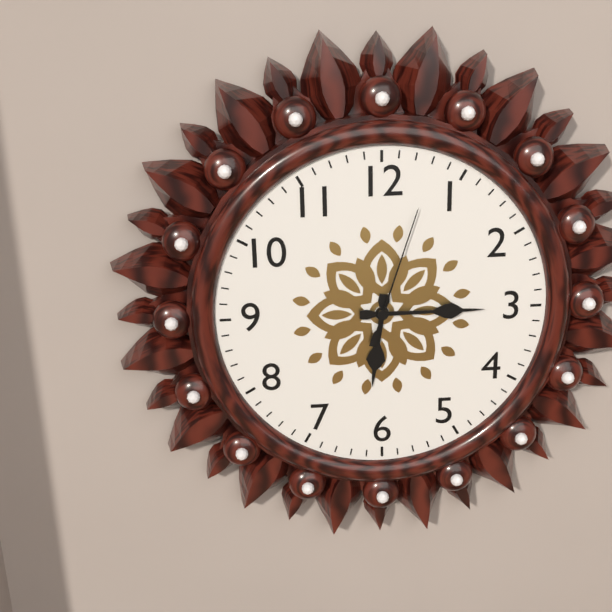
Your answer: **6:15:03**
